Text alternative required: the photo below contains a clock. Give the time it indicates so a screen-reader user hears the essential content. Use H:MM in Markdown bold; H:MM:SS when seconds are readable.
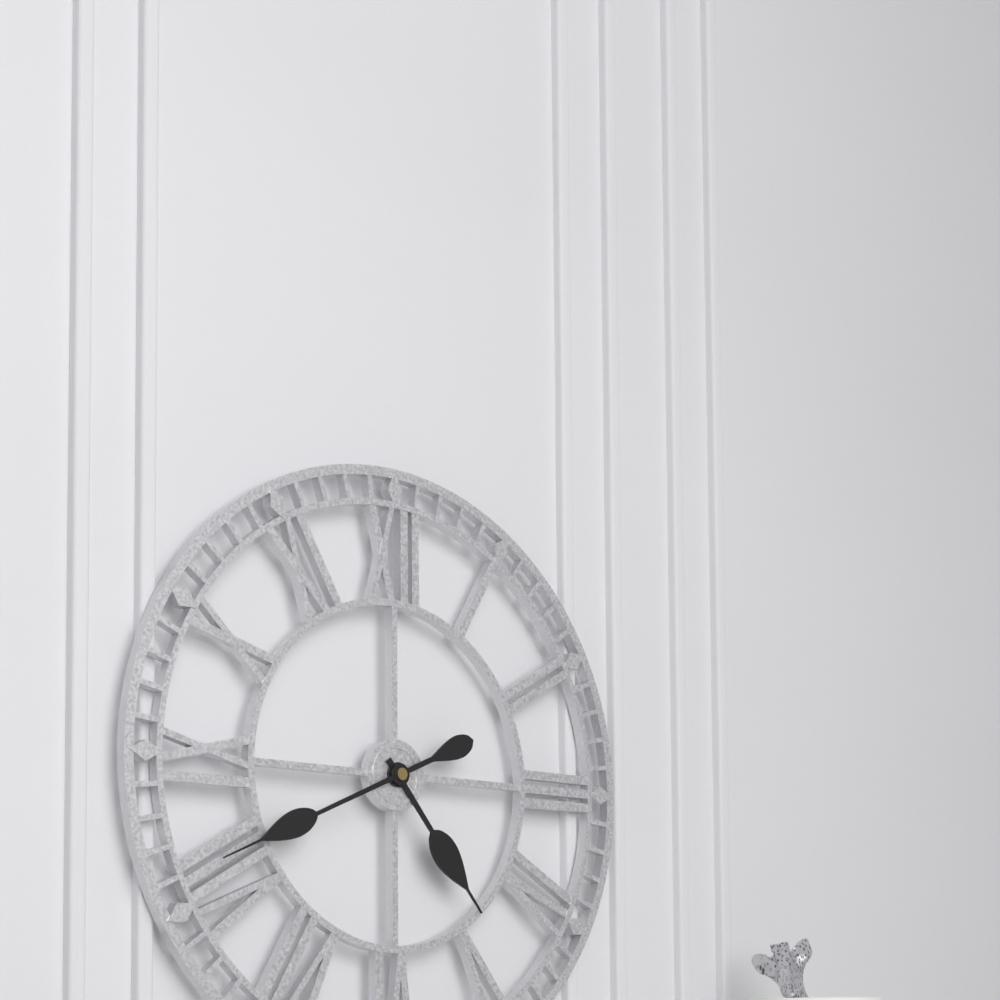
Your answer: **4:41**
